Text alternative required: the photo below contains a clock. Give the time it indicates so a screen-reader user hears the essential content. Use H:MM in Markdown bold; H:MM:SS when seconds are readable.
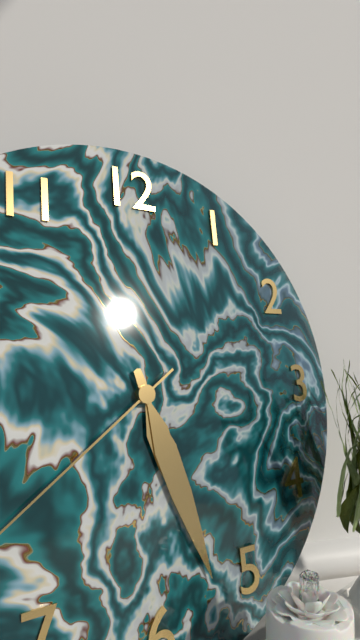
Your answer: **5:27**
